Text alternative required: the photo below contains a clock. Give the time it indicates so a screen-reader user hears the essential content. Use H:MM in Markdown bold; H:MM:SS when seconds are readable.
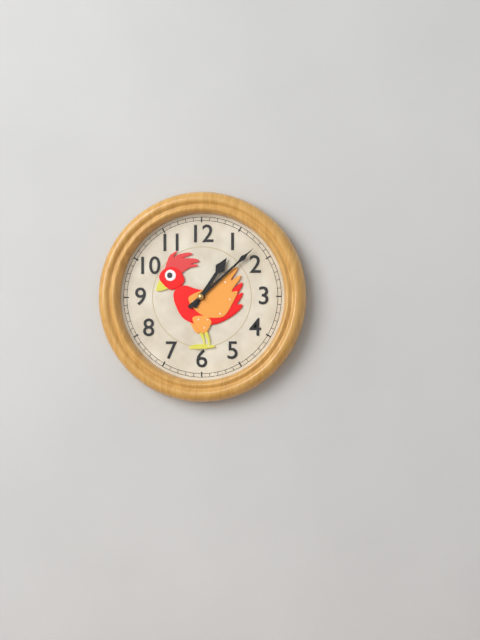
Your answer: **1:08**
